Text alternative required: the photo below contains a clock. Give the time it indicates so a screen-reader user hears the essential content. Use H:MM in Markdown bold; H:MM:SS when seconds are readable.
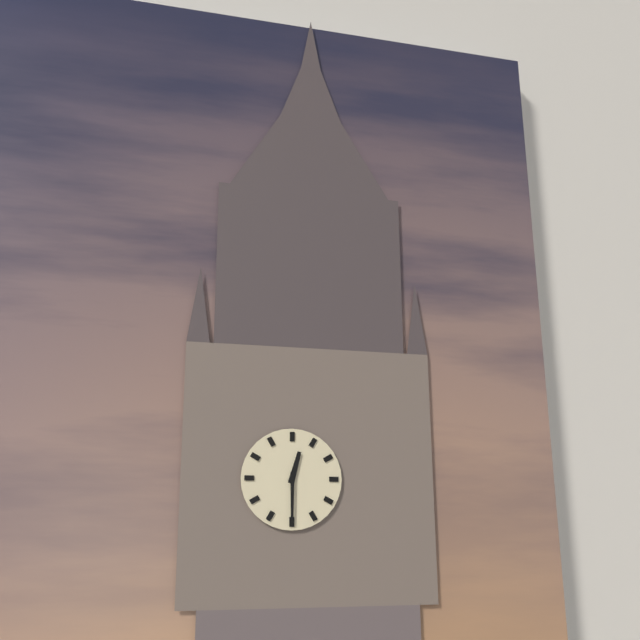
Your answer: **12:30**
